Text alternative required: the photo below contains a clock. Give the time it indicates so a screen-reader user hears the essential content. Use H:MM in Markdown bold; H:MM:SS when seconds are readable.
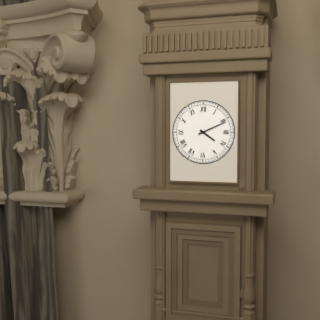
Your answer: **4:11**
